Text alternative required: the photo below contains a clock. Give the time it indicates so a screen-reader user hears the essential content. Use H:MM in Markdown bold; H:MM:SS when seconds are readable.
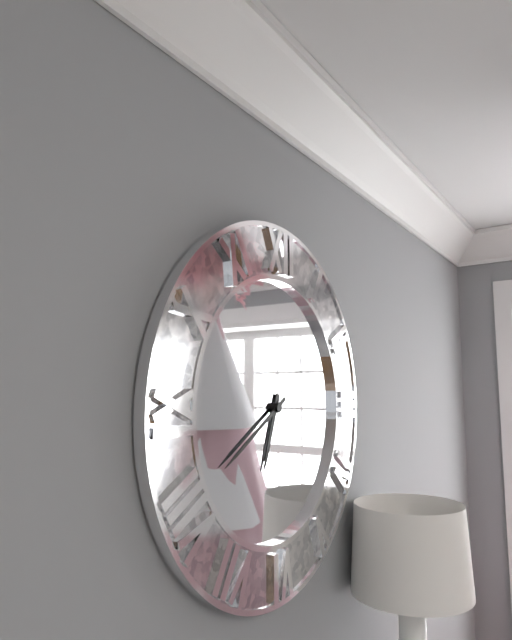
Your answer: **6:40**
